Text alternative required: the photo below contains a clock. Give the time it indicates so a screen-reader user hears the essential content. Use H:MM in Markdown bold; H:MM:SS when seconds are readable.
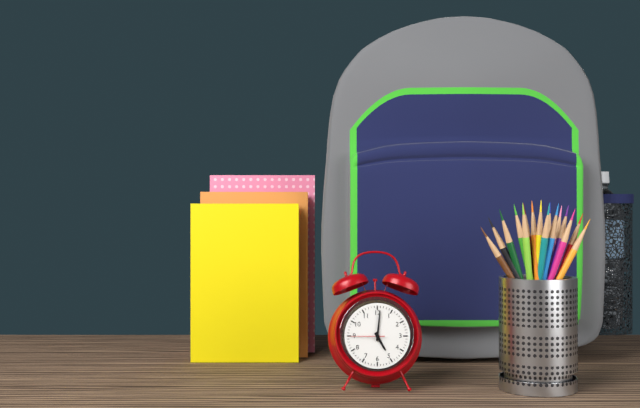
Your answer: **5:01**
